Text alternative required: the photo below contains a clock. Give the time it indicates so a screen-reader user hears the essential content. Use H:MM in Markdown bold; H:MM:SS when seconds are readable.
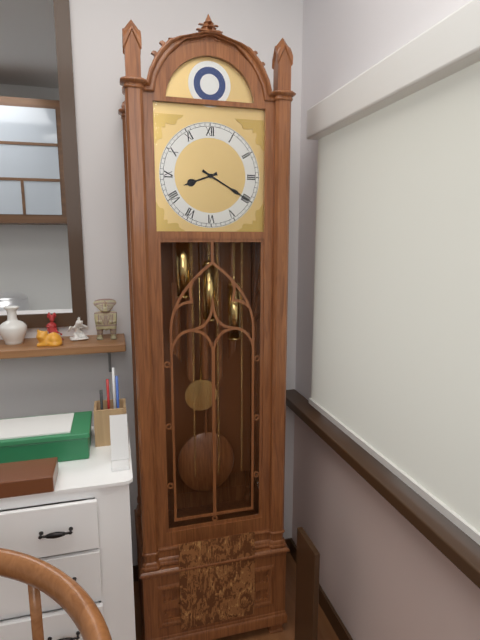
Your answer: **8:20**
